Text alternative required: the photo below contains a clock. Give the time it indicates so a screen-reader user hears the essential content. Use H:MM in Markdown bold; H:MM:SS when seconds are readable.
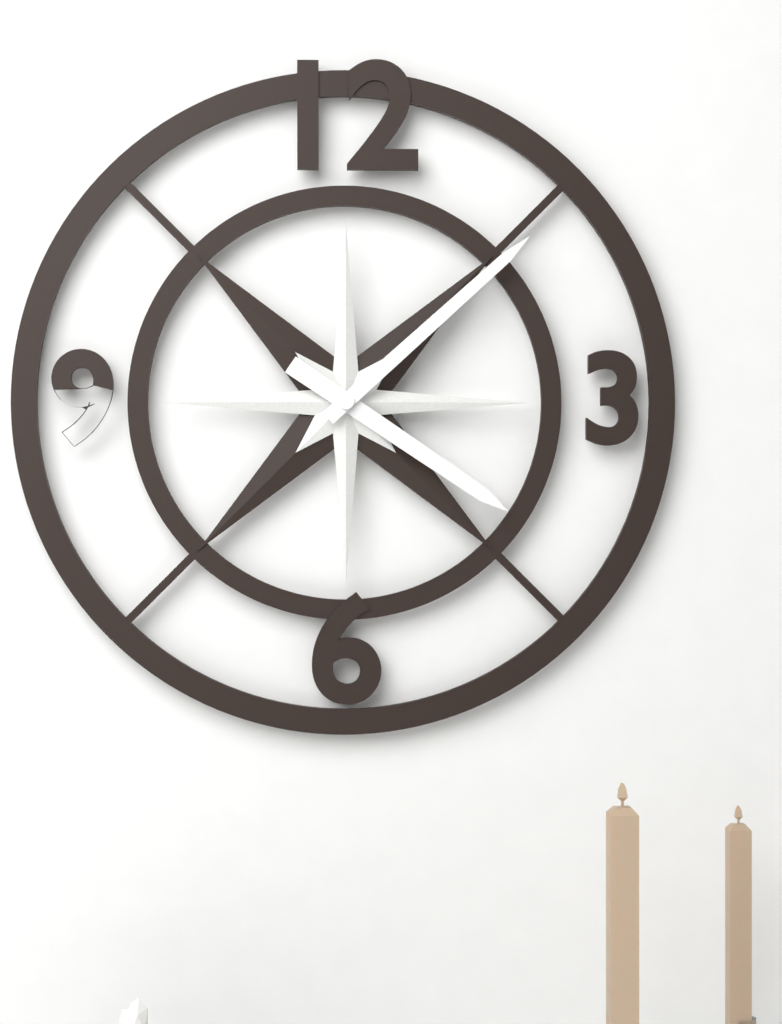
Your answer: **4:08**
